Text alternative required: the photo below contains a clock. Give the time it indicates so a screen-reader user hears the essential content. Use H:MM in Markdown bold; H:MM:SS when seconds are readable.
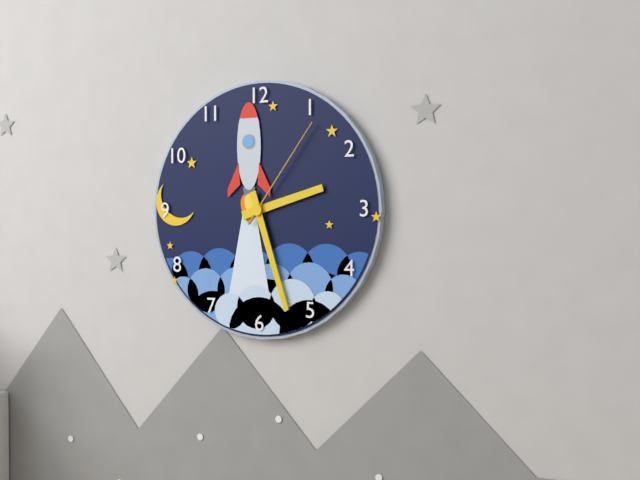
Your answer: **2:27:06**
